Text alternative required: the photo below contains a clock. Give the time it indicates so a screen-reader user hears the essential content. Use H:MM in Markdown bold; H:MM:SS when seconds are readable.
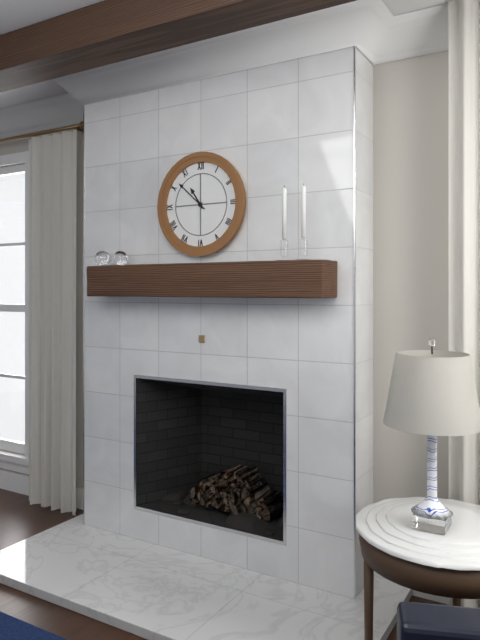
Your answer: **10:52**
